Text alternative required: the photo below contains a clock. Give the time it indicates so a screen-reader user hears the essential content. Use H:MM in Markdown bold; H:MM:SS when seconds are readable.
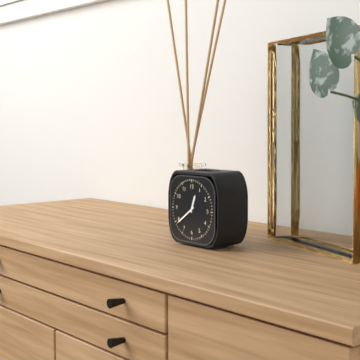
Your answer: **12:39**
